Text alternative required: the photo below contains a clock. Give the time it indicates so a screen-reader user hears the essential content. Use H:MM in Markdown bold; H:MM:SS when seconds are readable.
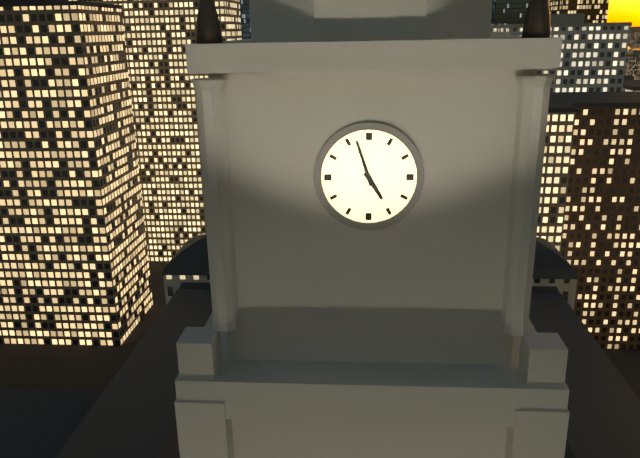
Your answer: **4:57**
